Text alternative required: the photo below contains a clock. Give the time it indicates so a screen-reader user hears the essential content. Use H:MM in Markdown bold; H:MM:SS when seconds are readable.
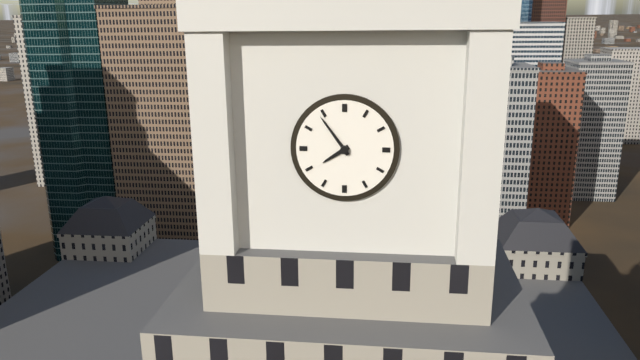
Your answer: **7:54**
